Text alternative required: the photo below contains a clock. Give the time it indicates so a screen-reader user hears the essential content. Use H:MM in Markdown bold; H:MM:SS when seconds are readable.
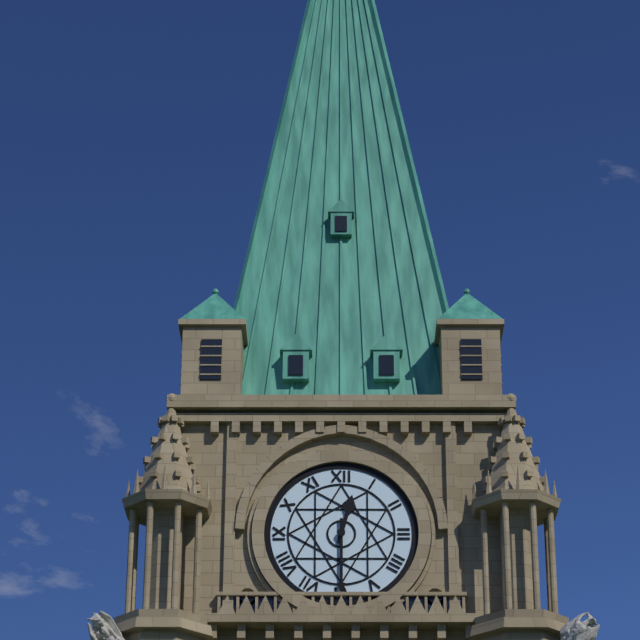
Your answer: **12:30**
